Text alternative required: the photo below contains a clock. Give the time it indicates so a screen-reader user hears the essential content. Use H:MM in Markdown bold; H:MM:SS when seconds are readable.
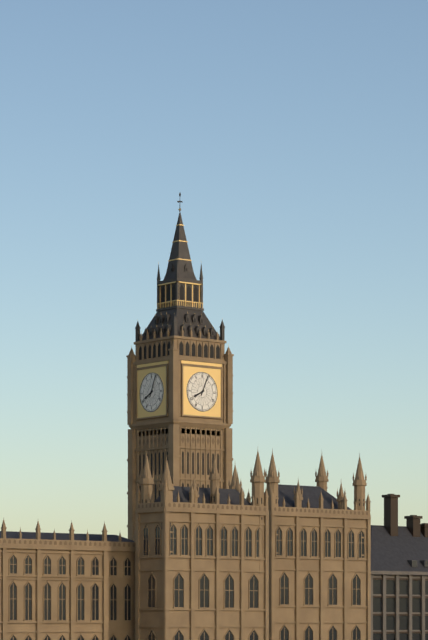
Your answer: **8:04**
